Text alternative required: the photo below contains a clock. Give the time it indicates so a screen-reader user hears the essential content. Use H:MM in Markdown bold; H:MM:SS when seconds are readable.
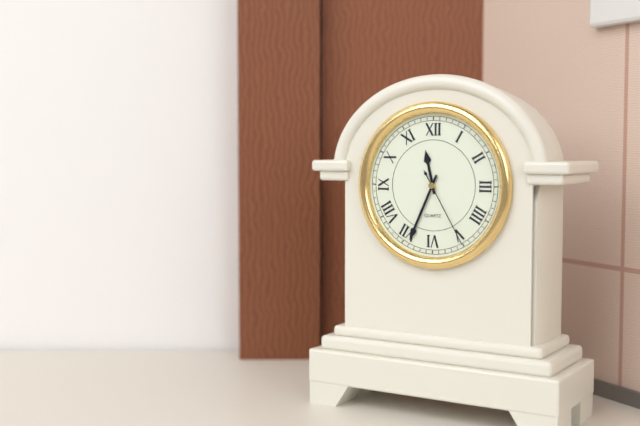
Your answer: **11:34:25**
